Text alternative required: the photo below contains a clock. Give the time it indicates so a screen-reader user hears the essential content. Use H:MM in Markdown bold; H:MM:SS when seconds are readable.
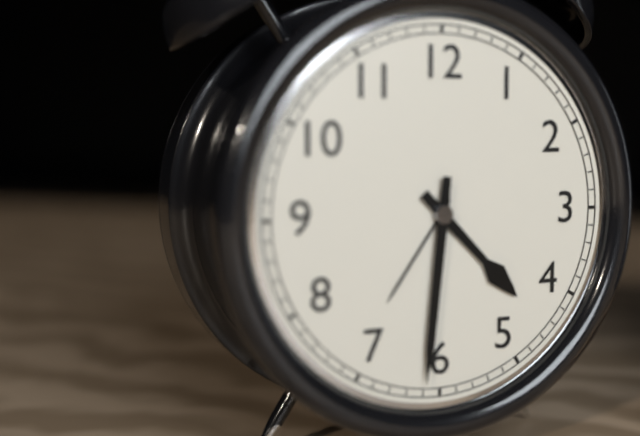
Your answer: **4:31**
